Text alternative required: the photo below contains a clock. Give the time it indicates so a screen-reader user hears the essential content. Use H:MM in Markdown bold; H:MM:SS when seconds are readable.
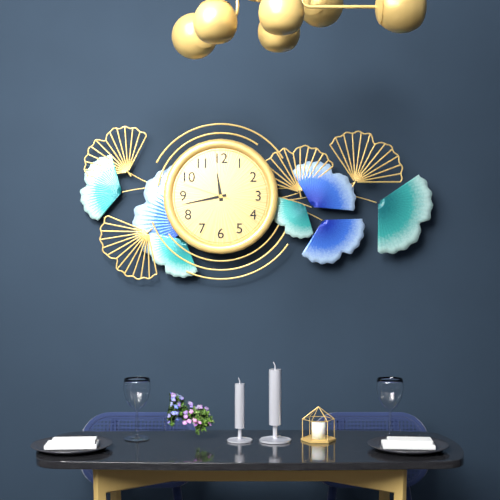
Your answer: **11:43:48**
